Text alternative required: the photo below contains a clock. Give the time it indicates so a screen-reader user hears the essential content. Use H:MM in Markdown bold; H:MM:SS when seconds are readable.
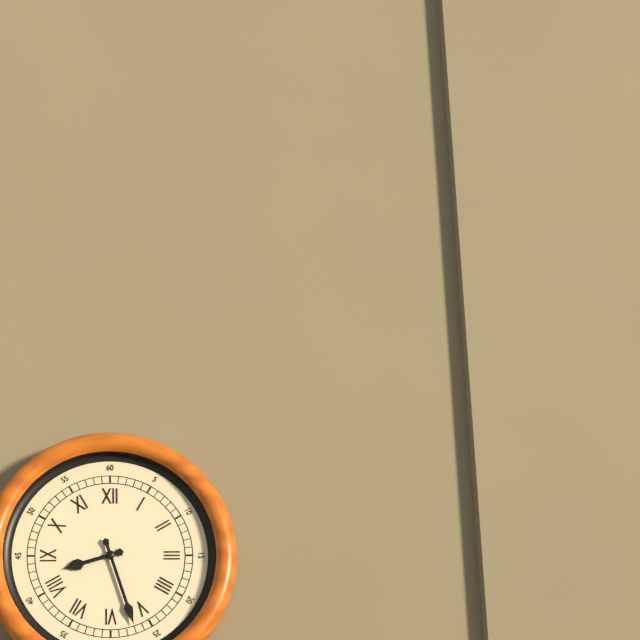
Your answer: **8:27**
